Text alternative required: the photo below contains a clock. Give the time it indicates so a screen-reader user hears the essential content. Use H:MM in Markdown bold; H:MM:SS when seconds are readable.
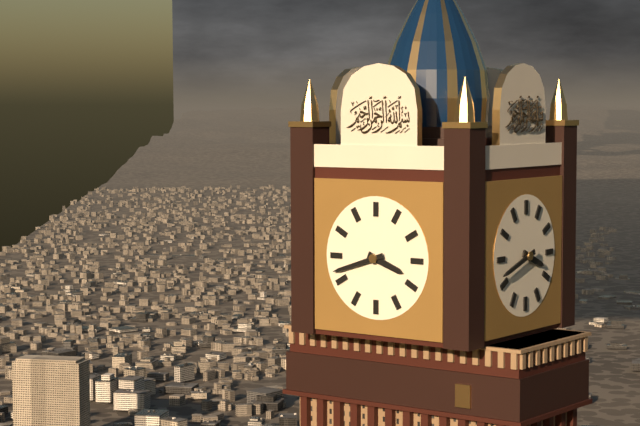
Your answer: **3:42**
